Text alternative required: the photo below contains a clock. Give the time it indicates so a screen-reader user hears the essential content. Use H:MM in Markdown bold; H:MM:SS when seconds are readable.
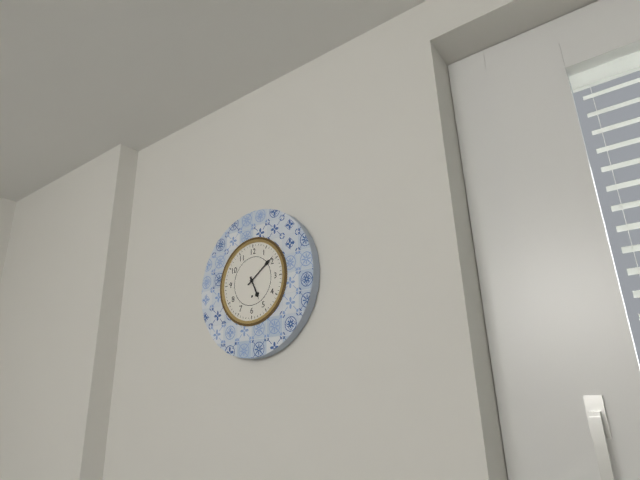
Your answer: **5:09**
